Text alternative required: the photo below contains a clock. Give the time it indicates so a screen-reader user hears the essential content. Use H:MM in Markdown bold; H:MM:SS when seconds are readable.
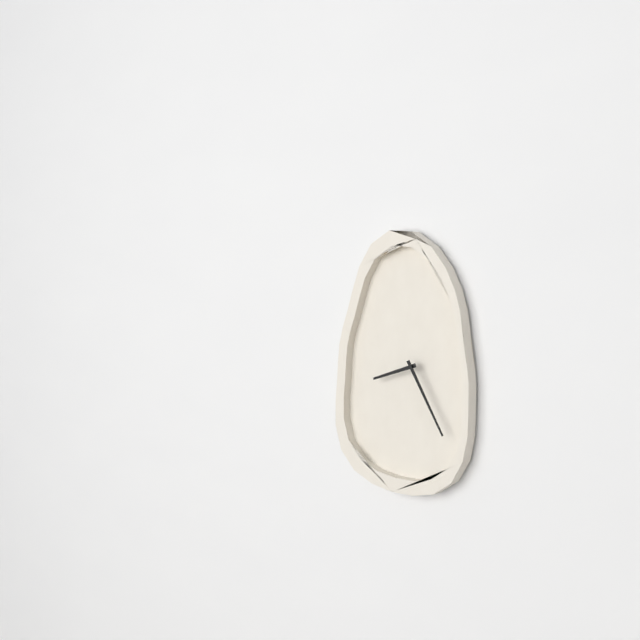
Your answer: **8:25**
